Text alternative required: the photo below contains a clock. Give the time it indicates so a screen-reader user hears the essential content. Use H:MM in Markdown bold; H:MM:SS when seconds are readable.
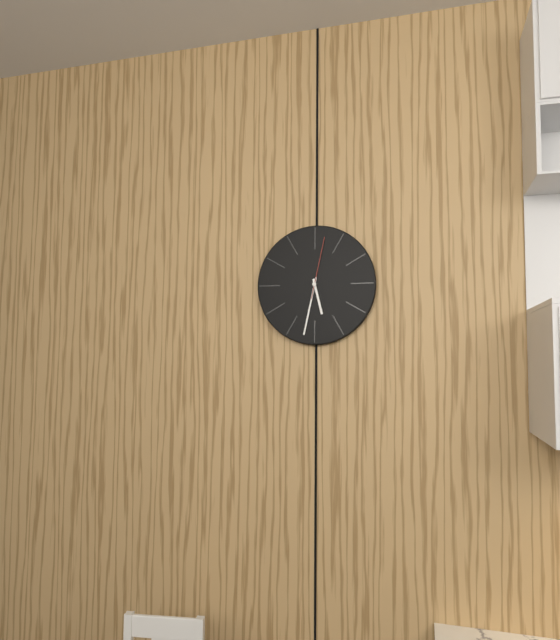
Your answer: **5:32:02**
